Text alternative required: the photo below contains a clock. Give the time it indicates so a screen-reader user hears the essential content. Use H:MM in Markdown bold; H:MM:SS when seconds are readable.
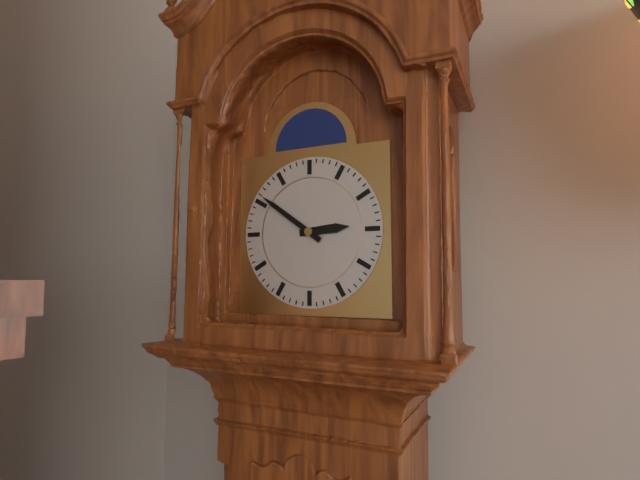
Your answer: **2:51**
